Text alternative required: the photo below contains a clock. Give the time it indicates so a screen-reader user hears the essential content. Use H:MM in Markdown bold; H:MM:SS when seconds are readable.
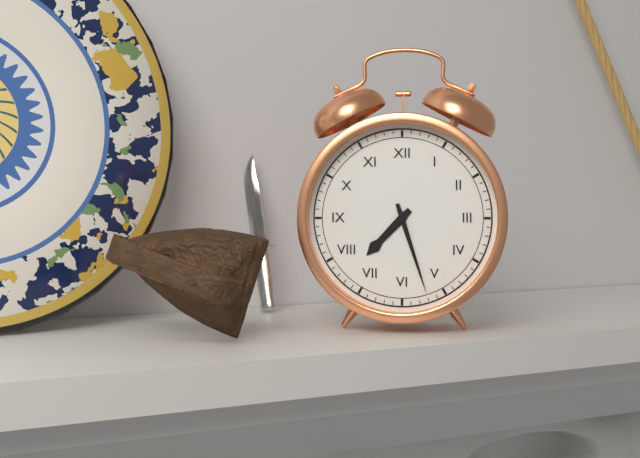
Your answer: **7:27**
